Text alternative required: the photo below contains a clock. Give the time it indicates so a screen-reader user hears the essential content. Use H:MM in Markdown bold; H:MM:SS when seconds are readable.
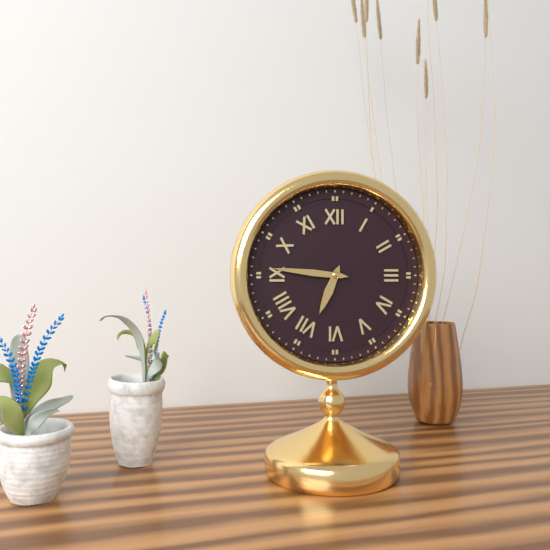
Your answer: **6:46**
